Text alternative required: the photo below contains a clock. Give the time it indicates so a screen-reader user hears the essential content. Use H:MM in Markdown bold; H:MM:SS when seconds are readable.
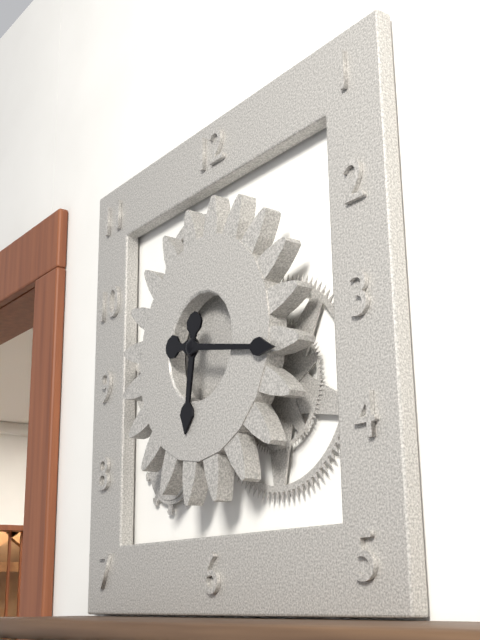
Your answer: **6:17**
